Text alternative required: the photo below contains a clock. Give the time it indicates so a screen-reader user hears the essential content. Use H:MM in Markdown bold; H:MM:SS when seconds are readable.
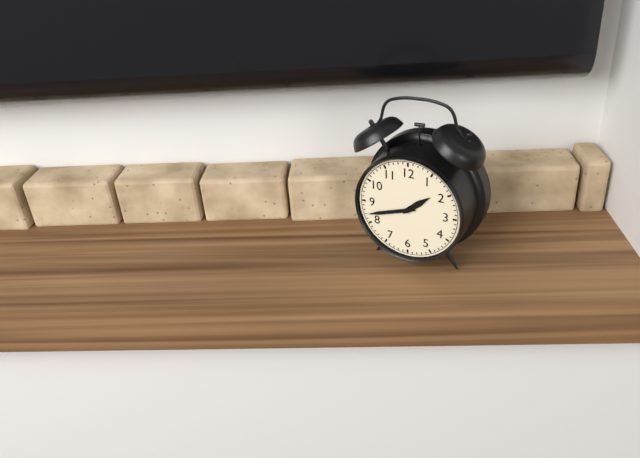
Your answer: **1:42**
